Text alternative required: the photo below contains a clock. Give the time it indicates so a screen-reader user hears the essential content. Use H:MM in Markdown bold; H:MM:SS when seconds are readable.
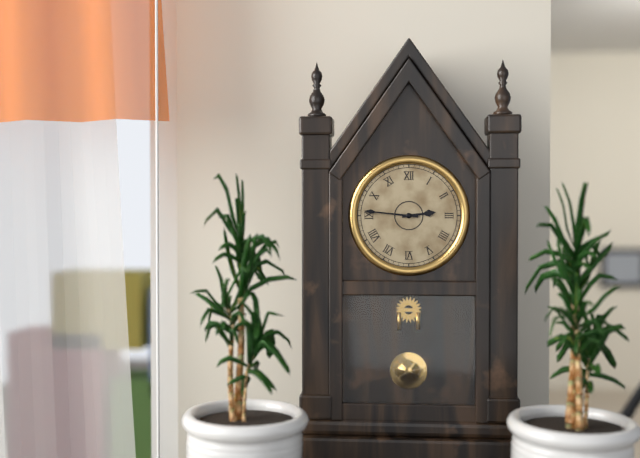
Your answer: **2:46**
